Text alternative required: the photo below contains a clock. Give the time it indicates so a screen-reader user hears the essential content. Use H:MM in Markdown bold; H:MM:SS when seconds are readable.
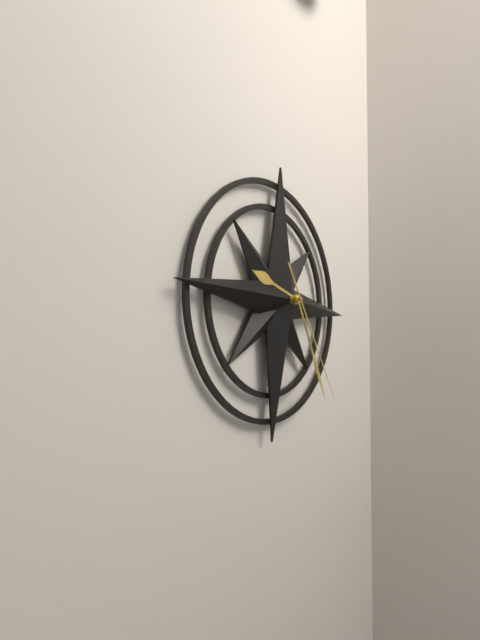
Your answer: **9:25:24**
